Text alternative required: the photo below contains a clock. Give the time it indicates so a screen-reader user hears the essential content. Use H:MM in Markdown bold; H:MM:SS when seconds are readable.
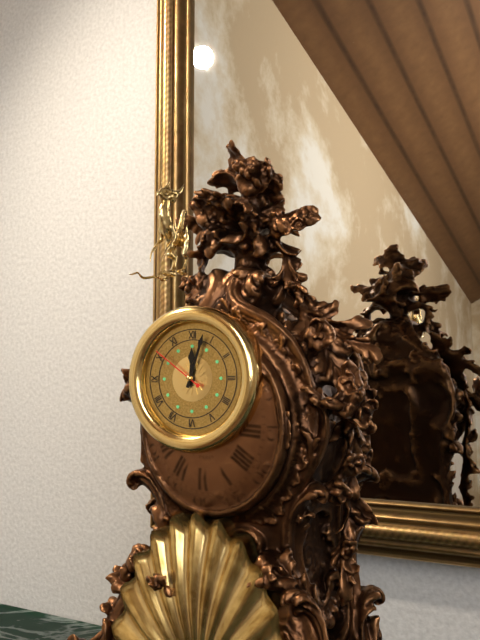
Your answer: **12:03:51**
